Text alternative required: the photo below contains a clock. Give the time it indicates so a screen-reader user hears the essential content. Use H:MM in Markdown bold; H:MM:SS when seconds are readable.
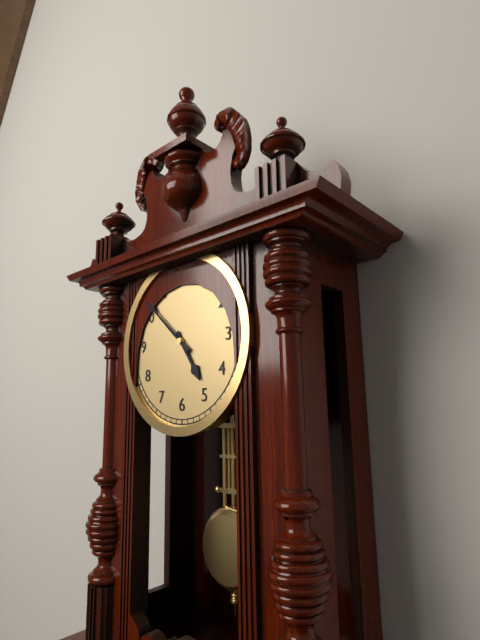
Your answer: **4:52**
